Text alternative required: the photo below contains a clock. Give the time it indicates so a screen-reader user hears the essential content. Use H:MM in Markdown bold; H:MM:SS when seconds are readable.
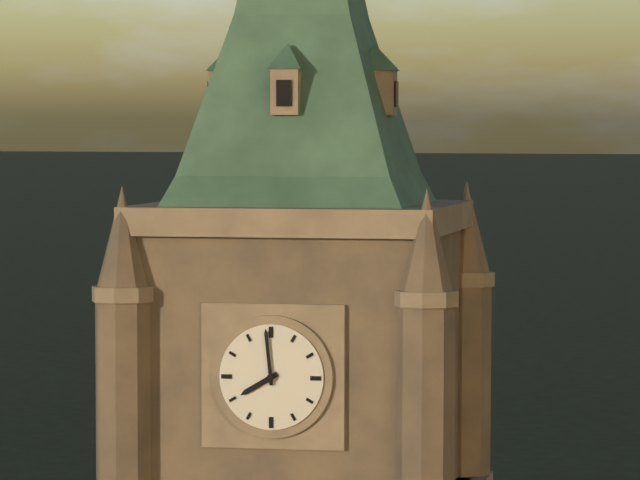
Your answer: **7:59**
